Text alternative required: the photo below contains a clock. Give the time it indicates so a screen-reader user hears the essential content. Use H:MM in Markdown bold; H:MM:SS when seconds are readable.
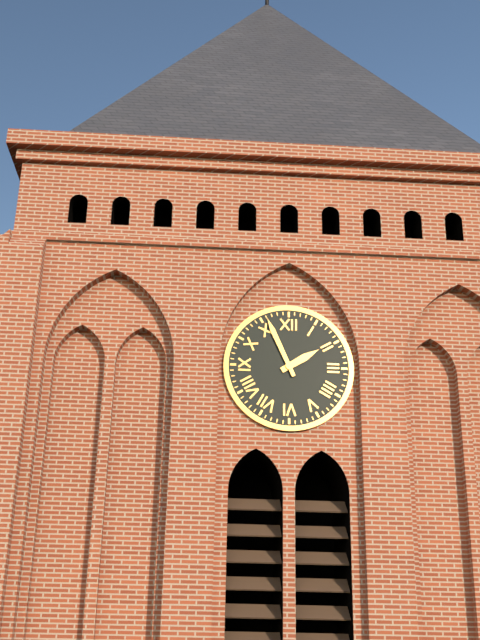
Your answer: **1:56**
